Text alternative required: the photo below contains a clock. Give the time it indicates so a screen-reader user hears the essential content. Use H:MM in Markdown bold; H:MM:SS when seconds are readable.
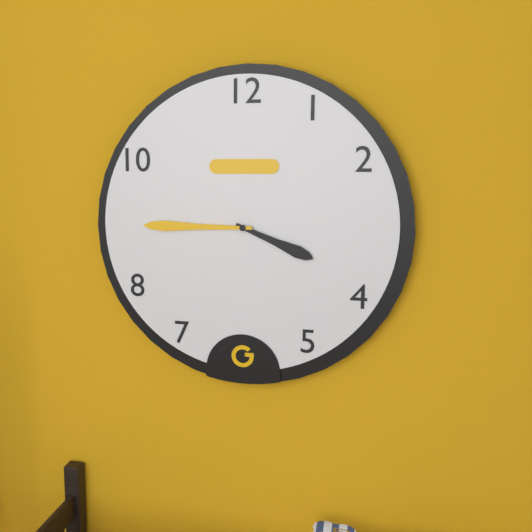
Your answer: **3:45**
